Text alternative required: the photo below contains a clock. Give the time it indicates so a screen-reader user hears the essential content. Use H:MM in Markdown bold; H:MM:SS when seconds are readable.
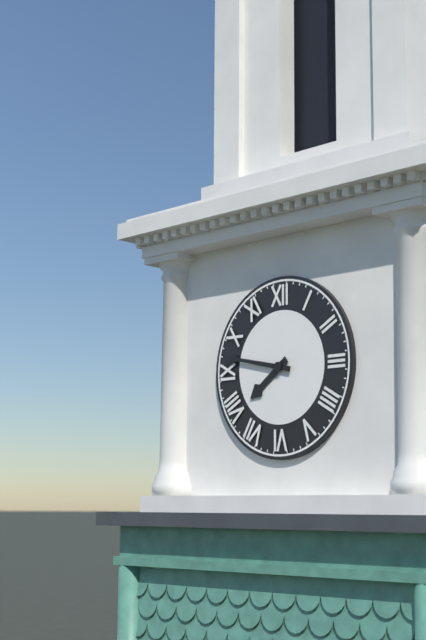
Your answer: **7:47**
